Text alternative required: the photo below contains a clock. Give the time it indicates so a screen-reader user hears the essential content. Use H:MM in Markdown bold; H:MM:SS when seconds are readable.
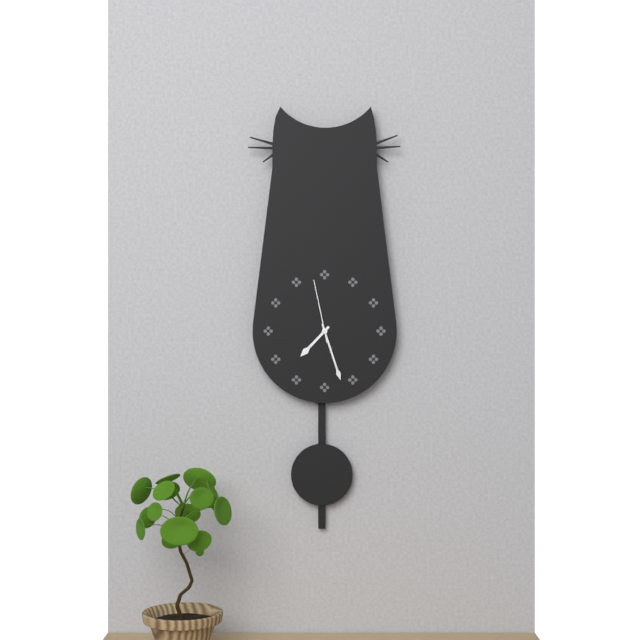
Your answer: **7:27:58**
